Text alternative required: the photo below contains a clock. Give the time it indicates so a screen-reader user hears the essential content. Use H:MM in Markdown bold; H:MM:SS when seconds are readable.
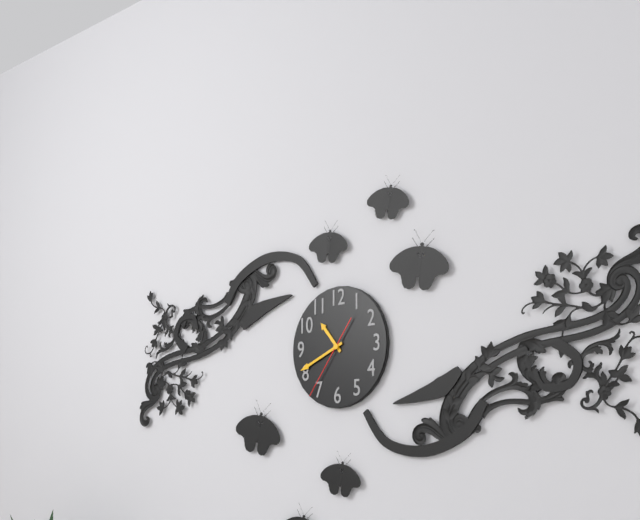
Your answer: **10:41:36**
